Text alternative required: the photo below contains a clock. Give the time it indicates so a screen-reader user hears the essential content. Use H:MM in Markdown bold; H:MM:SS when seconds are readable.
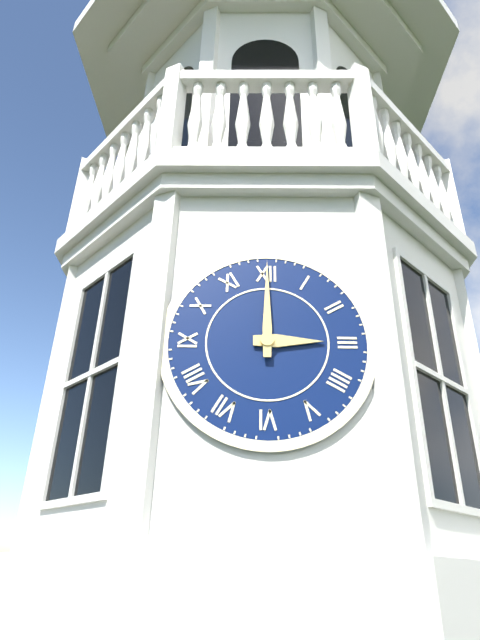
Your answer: **3:00**
